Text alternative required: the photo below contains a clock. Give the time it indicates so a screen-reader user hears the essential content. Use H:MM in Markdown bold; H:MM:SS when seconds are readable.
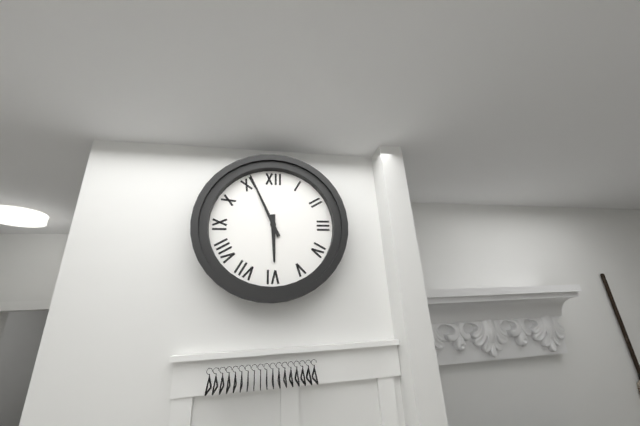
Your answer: **5:56**
